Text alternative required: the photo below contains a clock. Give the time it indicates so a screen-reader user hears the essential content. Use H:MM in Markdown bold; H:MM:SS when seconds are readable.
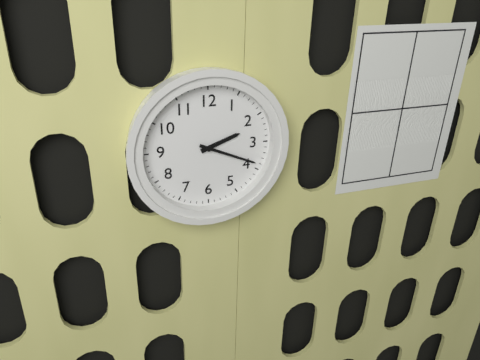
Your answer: **2:19**
